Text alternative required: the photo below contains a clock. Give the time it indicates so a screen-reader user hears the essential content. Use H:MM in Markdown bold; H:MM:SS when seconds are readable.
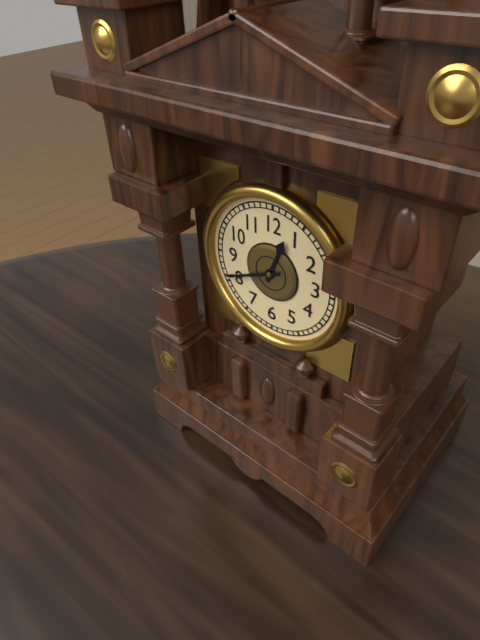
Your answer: **12:41**
